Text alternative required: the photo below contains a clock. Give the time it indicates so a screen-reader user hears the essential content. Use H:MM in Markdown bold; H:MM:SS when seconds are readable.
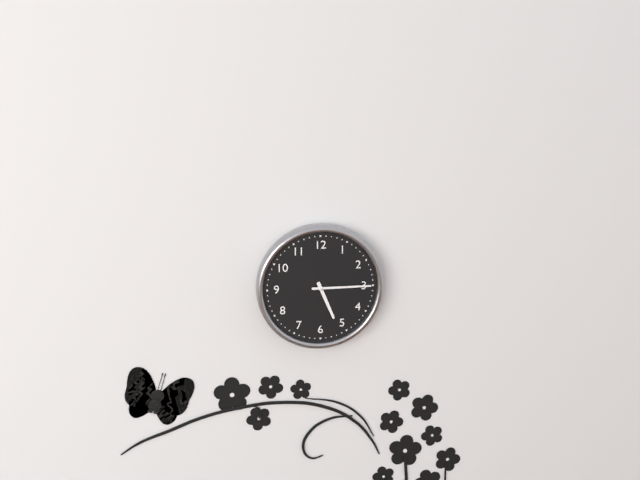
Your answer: **5:15**
